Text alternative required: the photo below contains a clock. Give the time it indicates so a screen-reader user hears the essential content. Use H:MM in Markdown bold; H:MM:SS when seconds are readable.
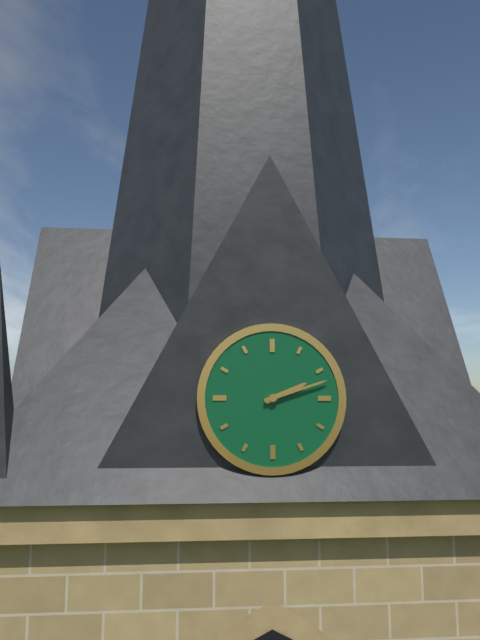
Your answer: **2:12**
